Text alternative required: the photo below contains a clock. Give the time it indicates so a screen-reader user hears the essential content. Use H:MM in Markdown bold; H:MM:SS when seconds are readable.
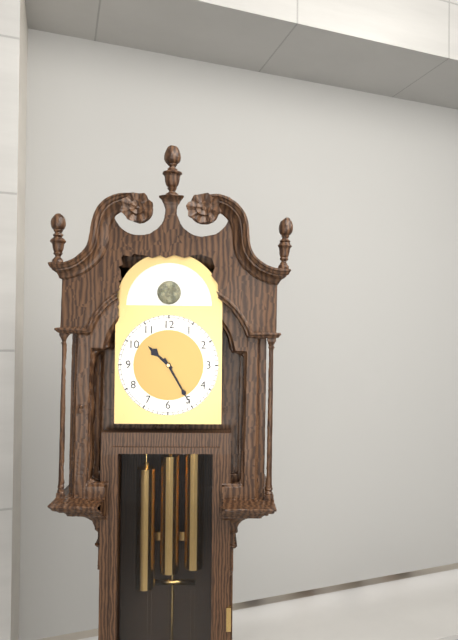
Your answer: **10:25**
